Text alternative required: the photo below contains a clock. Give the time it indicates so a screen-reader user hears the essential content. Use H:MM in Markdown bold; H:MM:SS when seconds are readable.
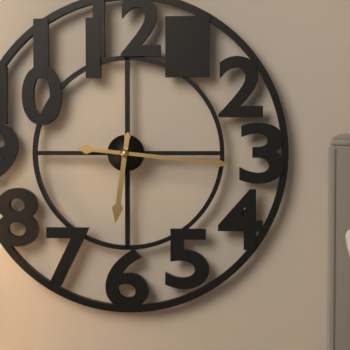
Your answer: **6:16**
